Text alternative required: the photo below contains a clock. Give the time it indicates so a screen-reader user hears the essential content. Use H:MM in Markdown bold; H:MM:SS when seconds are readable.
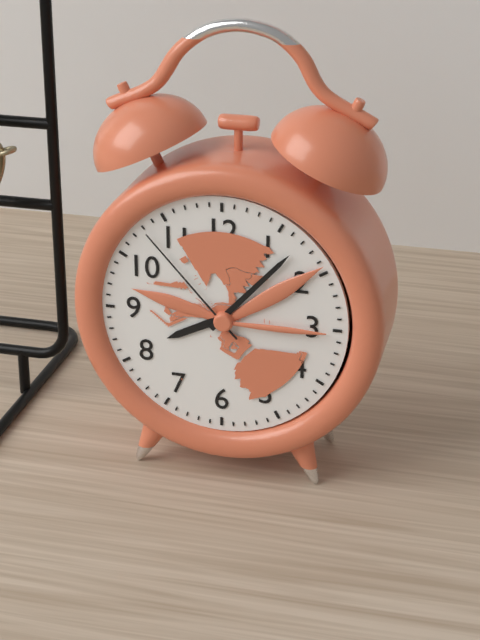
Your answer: **8:07:53**
